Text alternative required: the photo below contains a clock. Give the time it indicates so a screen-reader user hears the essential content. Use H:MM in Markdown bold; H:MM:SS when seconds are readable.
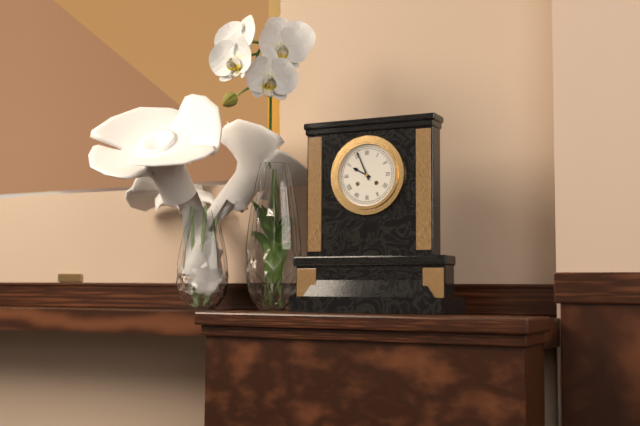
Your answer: **9:56**
